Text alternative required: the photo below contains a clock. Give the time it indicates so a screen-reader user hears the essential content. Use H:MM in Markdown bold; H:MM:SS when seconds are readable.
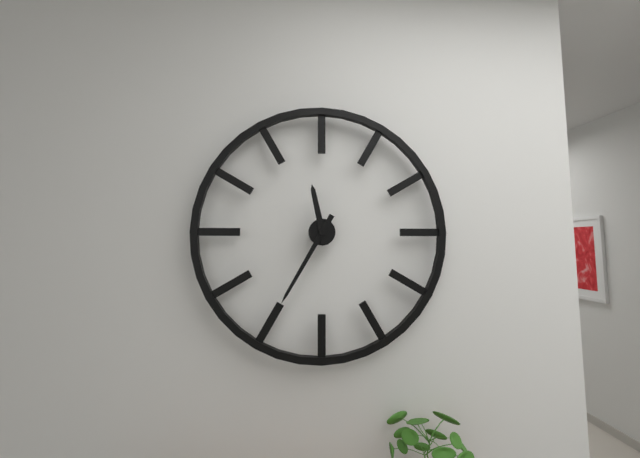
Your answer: **11:35**
